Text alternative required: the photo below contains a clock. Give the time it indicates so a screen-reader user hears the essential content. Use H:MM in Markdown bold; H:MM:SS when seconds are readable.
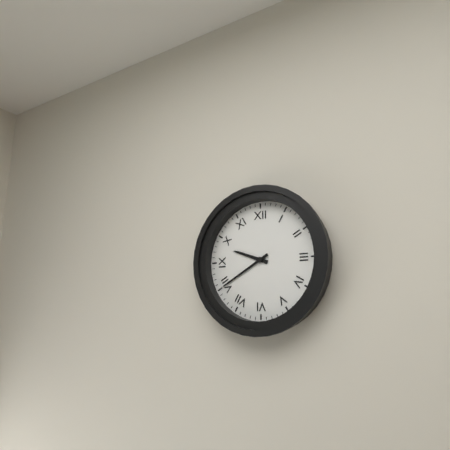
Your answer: **9:40**
